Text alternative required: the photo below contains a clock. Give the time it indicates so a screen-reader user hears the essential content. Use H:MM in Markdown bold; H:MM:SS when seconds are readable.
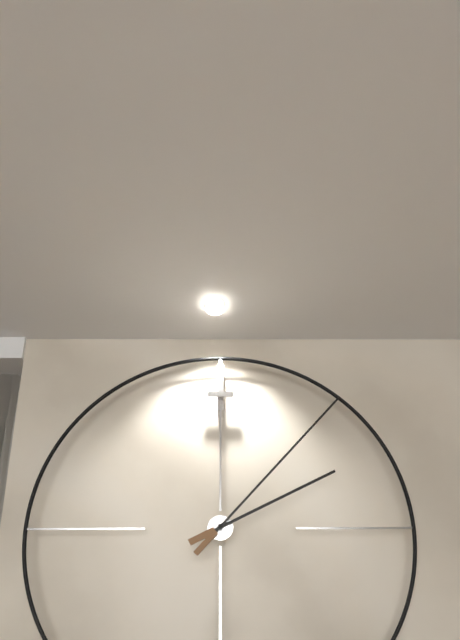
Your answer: **2:07**
